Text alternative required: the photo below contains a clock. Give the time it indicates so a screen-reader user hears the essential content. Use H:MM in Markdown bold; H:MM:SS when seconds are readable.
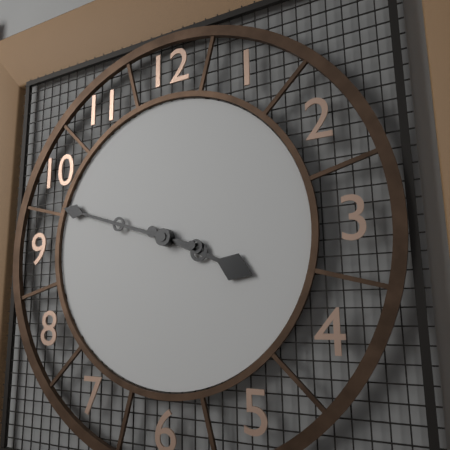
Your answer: **3:48:48**
